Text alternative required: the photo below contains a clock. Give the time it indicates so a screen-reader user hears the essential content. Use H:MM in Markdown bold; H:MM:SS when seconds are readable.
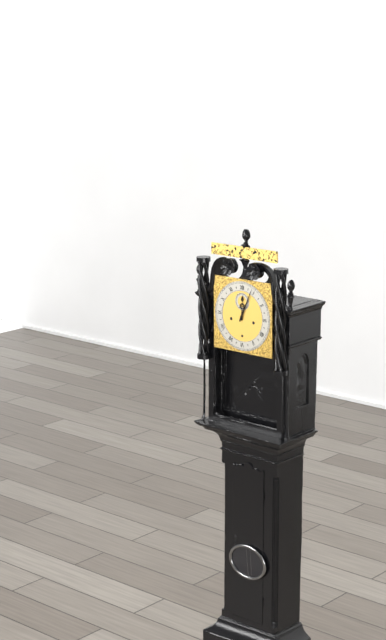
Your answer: **12:04**
